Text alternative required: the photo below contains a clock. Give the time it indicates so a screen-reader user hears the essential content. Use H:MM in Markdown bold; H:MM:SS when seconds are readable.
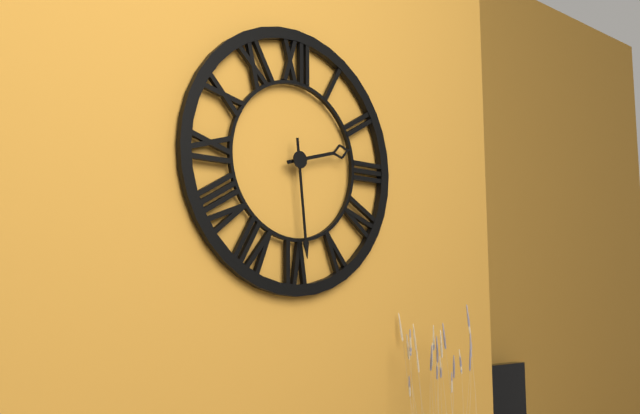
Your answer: **2:29**
